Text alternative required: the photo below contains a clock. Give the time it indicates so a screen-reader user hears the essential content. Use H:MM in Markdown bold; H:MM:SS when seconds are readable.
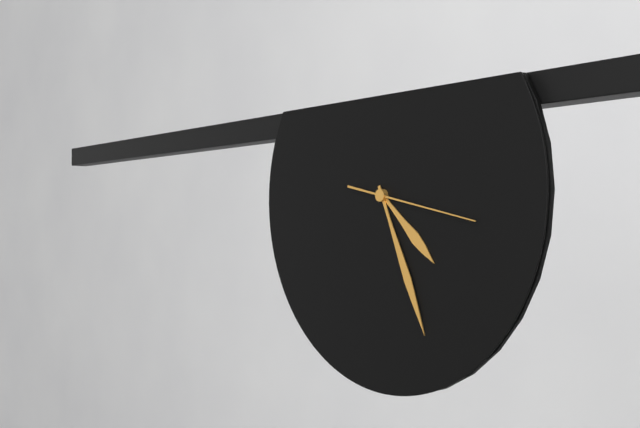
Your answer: **4:26:17**
